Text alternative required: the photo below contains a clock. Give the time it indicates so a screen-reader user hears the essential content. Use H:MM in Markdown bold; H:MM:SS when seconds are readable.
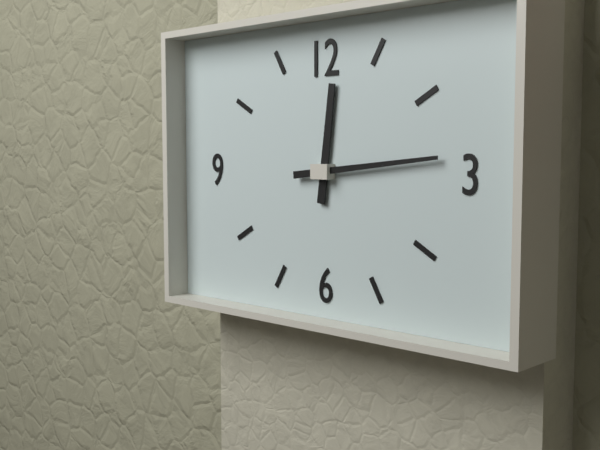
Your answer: **12:14**
